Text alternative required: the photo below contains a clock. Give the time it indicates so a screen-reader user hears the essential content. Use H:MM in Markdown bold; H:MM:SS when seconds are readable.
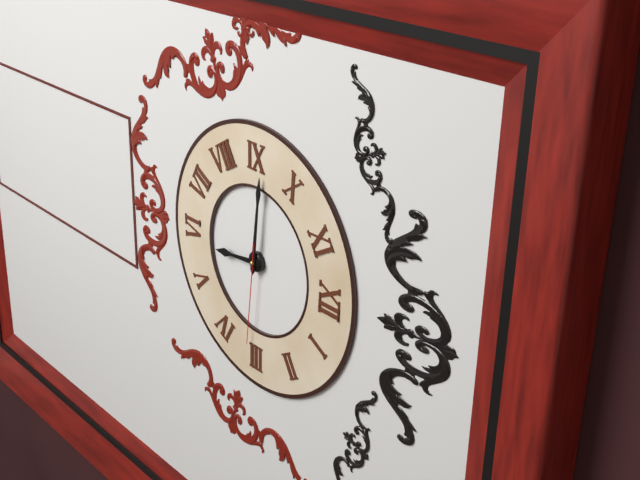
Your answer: **5:46:16**
